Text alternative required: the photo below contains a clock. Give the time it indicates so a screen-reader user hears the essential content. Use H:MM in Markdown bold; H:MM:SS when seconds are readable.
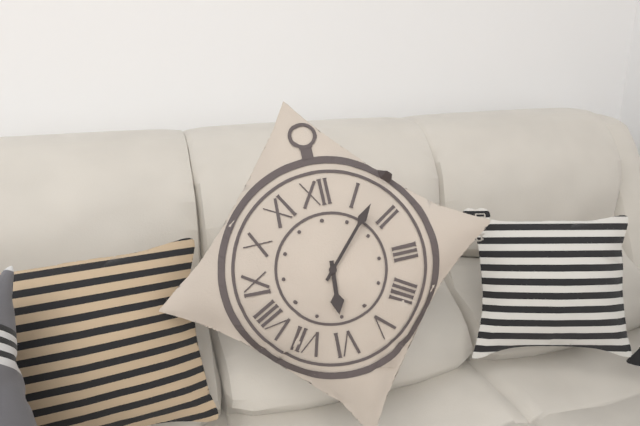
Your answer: **6:07**
